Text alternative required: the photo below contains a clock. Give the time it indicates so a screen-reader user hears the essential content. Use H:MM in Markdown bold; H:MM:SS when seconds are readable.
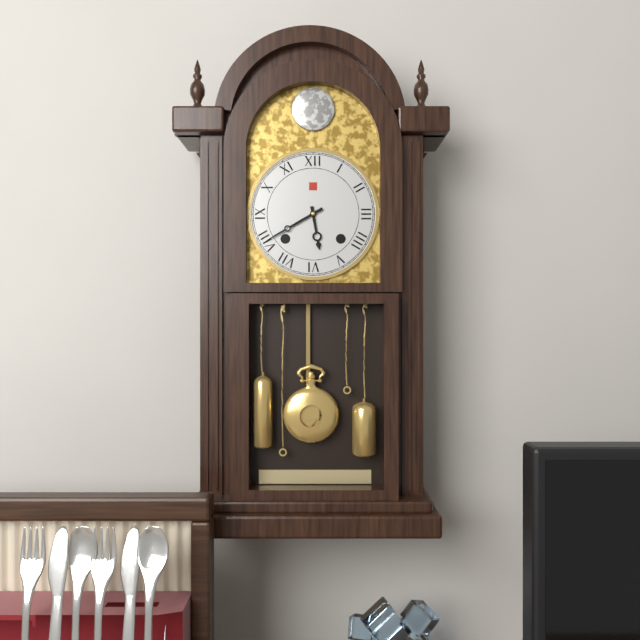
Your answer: **5:40**
